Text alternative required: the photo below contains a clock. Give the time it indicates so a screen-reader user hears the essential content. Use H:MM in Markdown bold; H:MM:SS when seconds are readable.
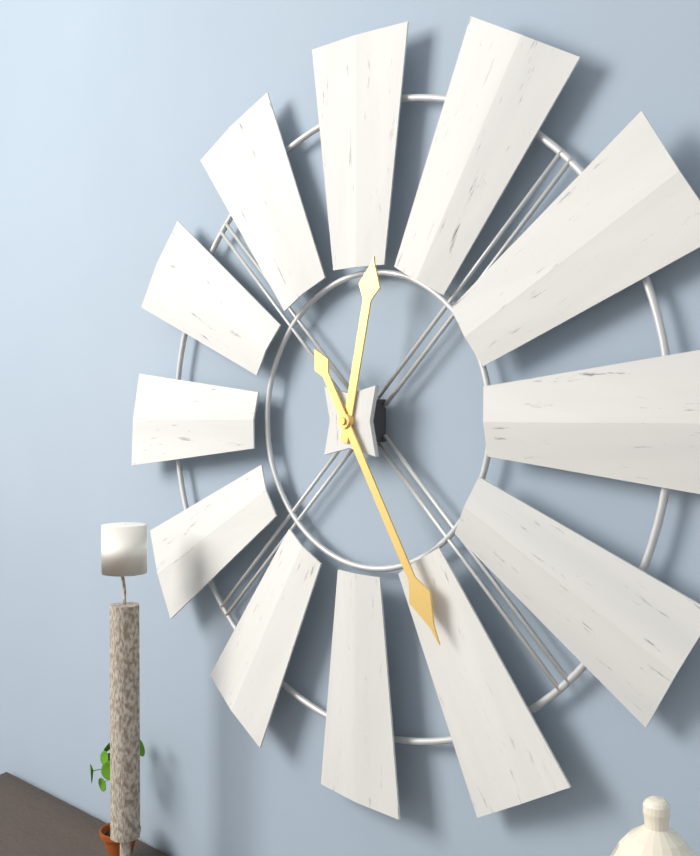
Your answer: **12:25**
